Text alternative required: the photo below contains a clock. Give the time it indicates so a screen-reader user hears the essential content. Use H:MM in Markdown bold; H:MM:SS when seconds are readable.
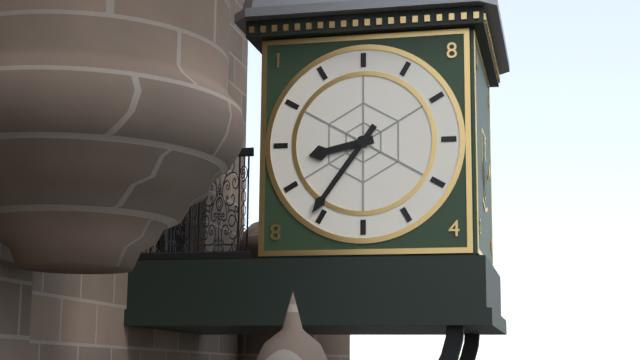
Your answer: **8:36**
